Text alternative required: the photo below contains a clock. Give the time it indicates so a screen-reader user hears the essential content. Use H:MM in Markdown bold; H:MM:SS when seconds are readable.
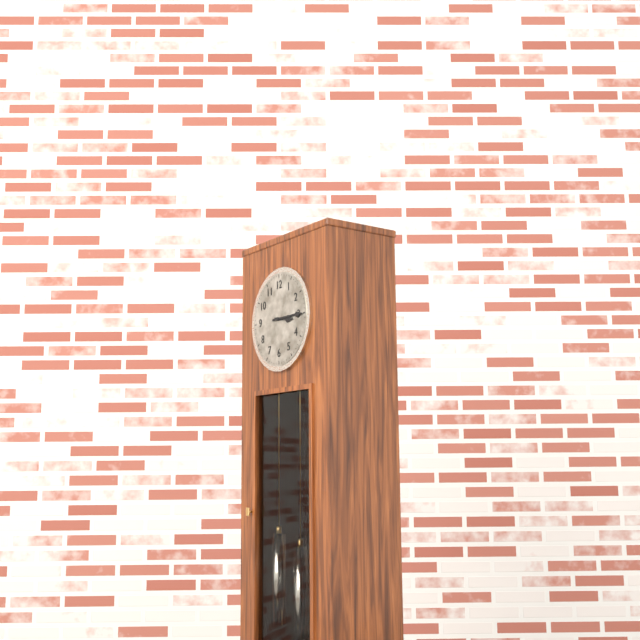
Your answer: **3:15**
